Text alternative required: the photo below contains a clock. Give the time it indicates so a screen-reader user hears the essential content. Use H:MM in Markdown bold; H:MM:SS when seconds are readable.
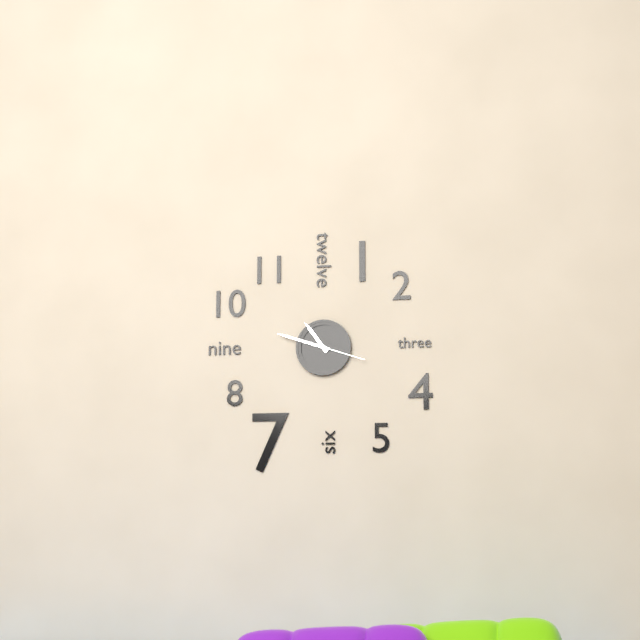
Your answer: **10:48:18**
